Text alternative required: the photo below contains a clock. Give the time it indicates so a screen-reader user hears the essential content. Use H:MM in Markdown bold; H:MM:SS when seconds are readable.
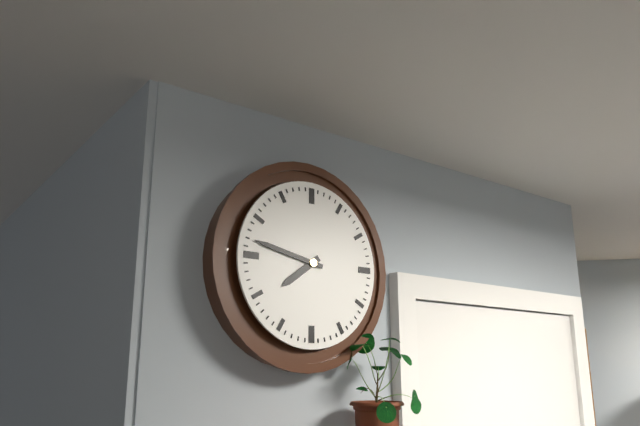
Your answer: **7:47**
